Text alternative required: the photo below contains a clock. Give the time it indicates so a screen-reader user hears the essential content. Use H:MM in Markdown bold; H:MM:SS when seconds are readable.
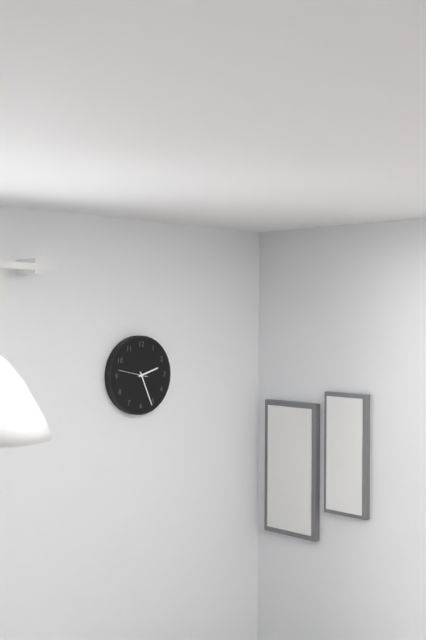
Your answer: **2:26**
